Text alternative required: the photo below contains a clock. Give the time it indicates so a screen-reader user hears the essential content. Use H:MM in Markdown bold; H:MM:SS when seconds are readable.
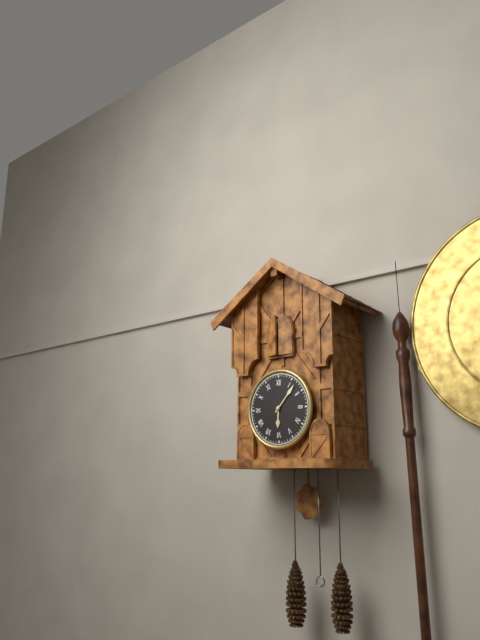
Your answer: **6:07**
